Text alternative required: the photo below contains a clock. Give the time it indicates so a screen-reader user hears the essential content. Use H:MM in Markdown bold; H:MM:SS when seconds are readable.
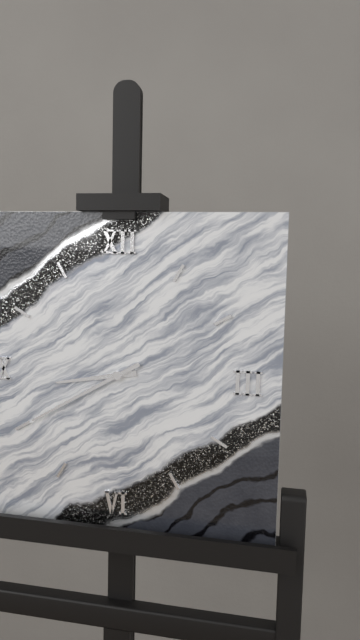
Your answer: **8:40**
